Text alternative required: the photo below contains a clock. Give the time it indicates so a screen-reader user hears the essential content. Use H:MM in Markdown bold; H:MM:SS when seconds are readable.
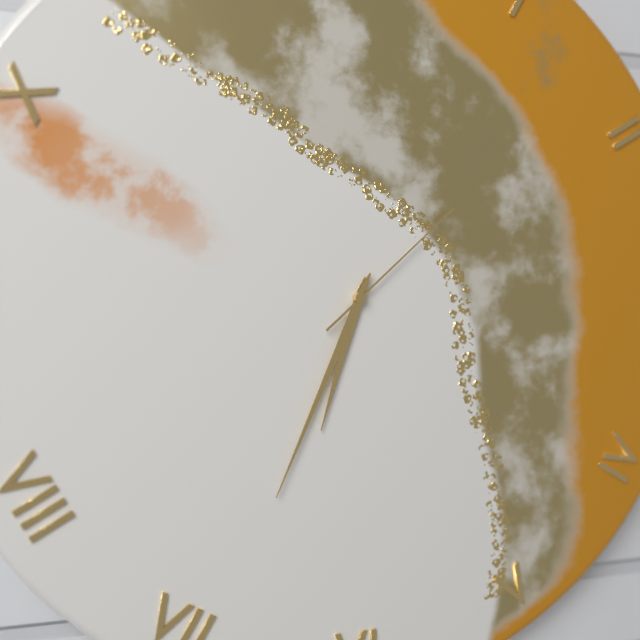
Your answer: **6:34:08**
